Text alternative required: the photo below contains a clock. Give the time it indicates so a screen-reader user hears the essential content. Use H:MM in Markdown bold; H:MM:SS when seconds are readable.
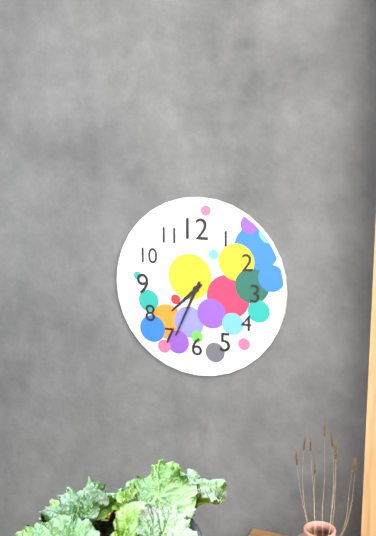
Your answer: **7:34**
